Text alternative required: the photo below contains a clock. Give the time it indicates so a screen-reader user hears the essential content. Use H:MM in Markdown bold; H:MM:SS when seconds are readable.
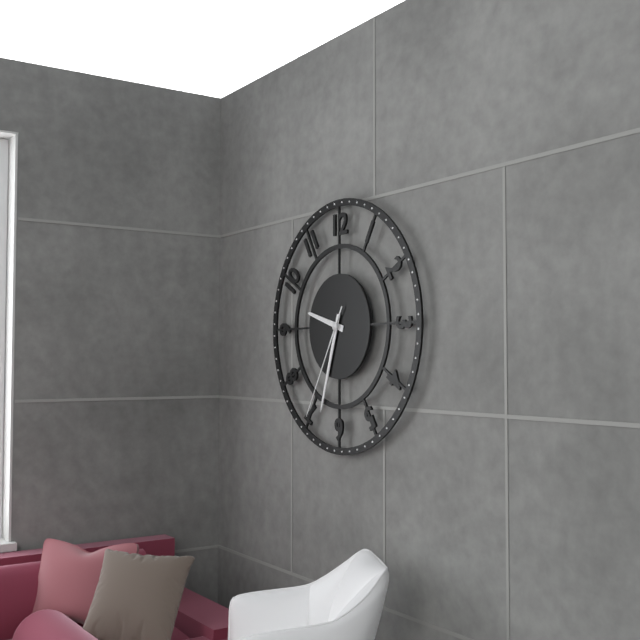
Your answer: **9:33:35**
